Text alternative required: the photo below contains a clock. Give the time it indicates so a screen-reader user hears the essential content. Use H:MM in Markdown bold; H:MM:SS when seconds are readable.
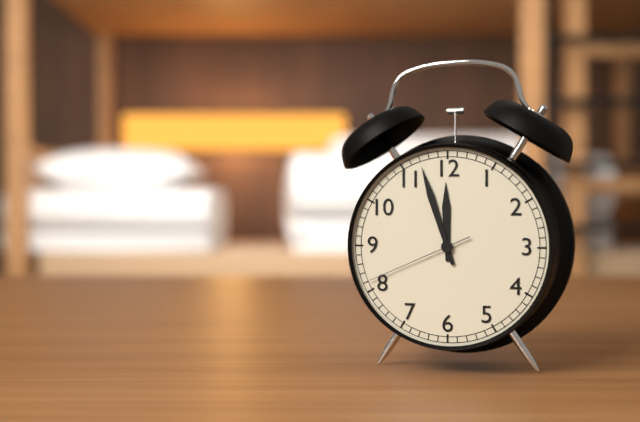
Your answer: **11:57:41**
